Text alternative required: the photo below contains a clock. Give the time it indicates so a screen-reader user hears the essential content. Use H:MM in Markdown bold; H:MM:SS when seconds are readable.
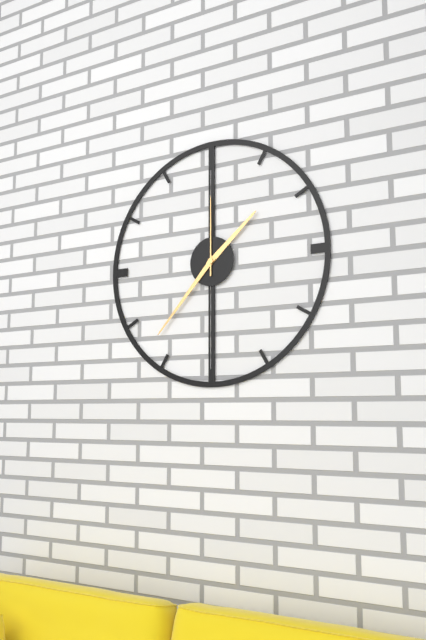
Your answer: **1:37:00**
